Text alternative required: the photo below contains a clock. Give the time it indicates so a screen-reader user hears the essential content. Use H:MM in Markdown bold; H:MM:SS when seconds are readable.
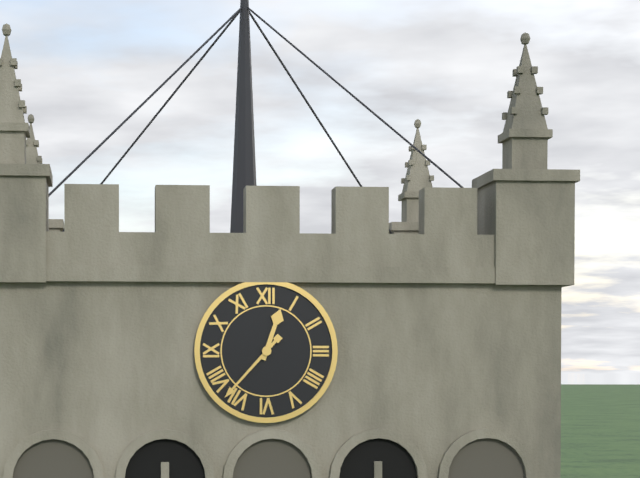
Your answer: **12:37**
